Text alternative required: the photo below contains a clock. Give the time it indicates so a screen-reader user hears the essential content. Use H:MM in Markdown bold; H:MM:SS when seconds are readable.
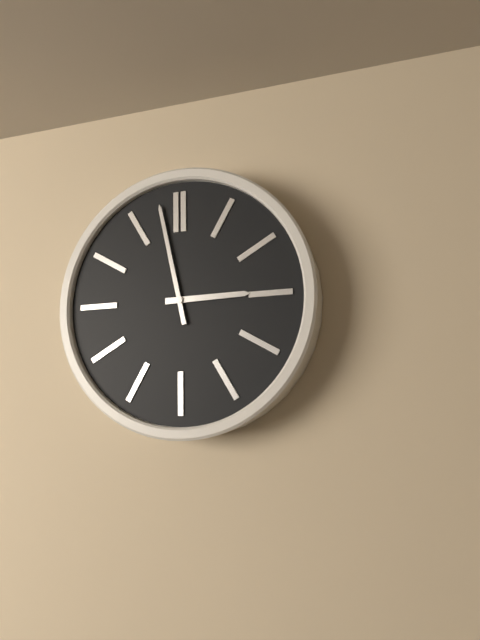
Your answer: **2:58**
